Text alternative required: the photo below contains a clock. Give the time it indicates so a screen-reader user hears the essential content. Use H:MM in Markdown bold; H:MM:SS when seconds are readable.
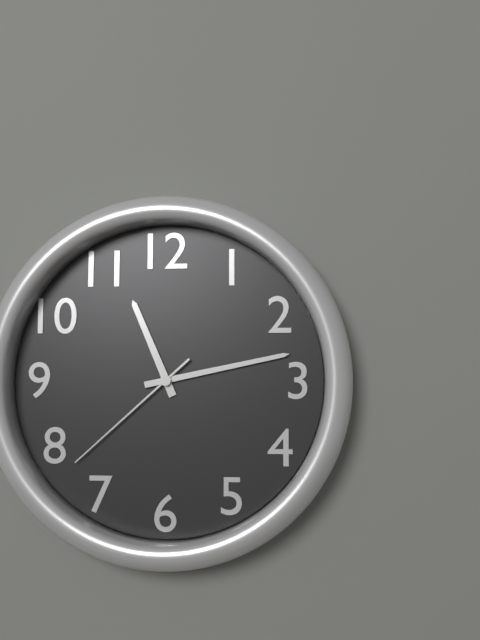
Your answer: **11:13:38**
